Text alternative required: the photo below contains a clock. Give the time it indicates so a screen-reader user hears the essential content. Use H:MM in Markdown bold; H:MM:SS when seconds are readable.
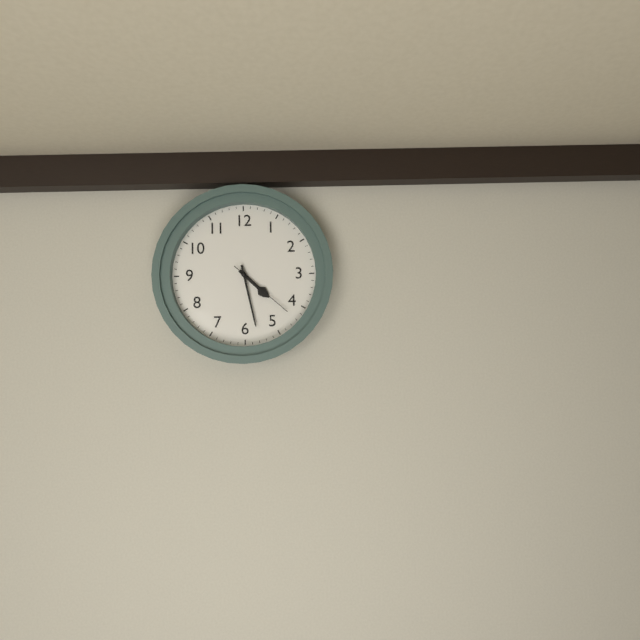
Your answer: **4:28:22**
